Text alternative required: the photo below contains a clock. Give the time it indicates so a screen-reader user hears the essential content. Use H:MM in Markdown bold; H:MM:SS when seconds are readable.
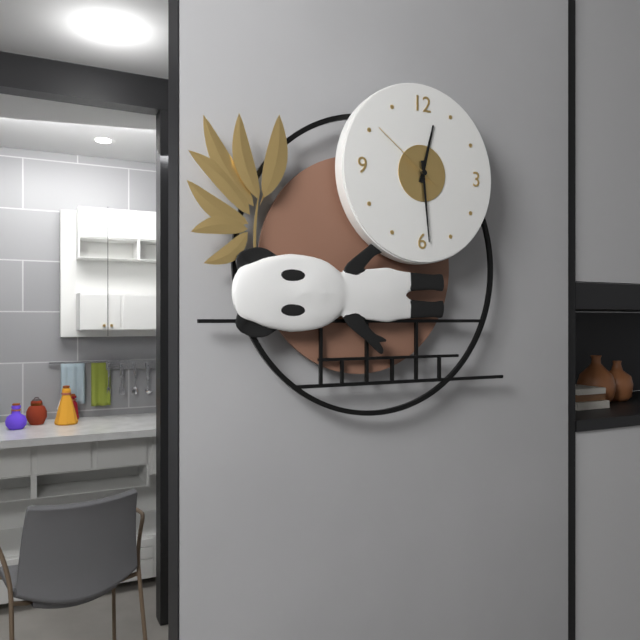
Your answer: **12:29:51**
